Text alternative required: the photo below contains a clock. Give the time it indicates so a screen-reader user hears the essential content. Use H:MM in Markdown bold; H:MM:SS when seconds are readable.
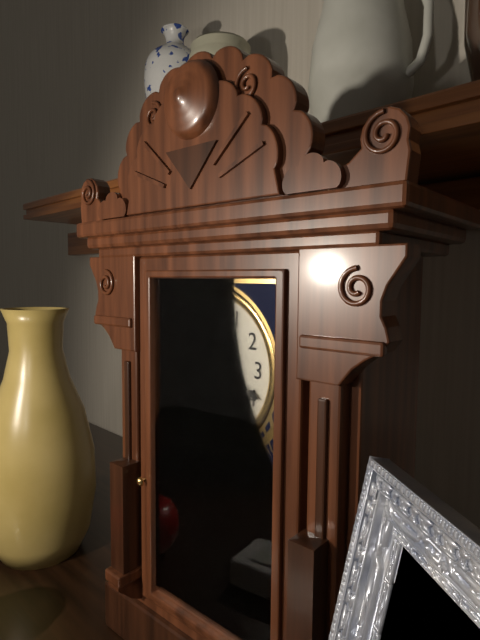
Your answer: **10:19**
